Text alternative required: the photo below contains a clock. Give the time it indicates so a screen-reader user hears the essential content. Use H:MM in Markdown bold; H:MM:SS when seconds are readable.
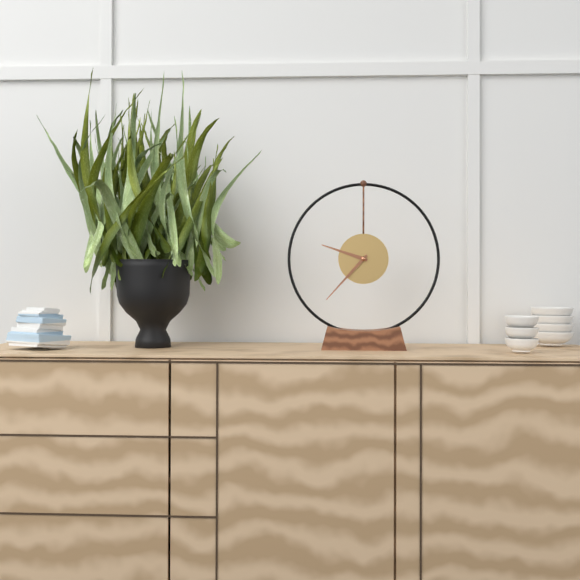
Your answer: **9:37**
